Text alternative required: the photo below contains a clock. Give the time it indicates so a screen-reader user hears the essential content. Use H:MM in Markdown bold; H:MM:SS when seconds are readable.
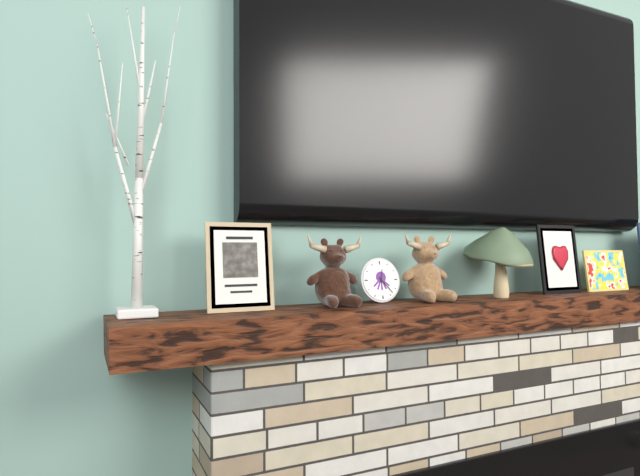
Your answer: **12:23**
